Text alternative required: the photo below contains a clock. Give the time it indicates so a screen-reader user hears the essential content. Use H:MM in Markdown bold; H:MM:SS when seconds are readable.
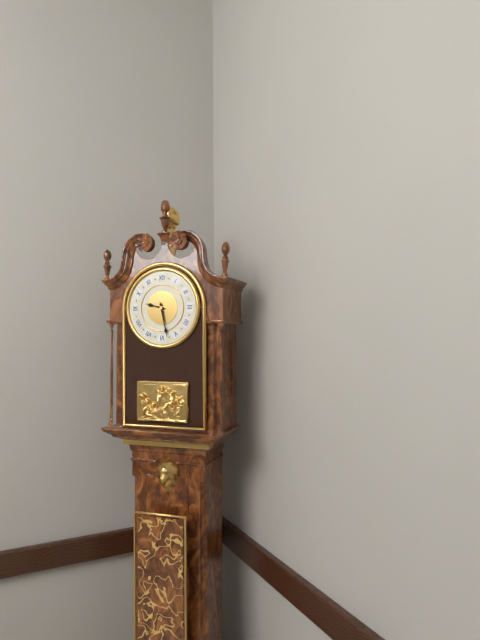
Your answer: **9:28**
